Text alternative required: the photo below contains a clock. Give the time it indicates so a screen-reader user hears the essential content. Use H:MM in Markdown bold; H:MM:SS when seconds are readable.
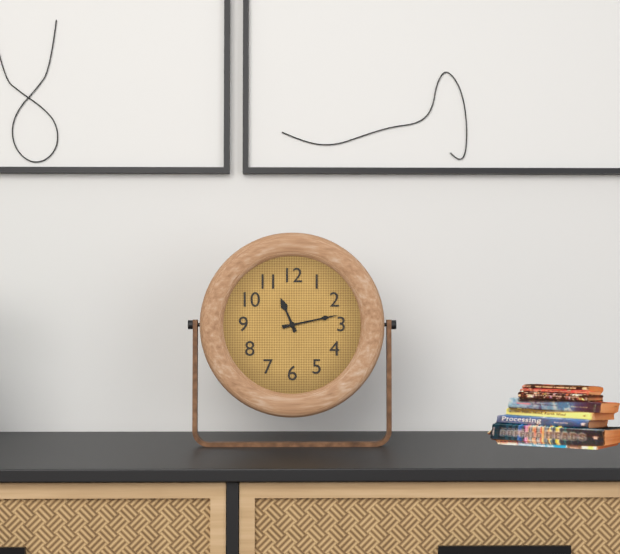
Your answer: **11:13**
